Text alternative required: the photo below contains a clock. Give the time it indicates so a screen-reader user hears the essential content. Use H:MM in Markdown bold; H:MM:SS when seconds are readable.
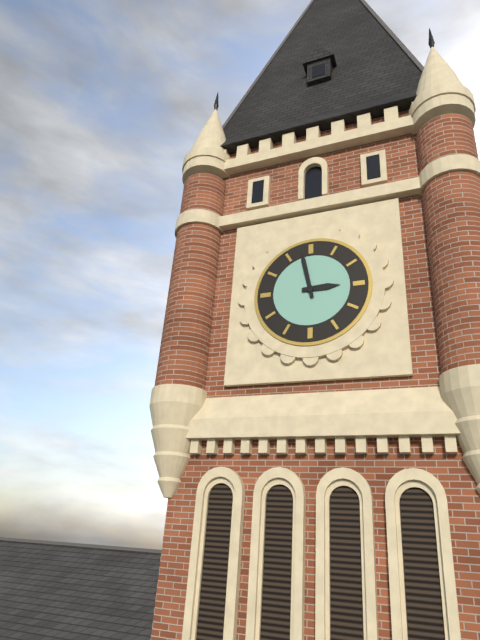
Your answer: **2:58**
